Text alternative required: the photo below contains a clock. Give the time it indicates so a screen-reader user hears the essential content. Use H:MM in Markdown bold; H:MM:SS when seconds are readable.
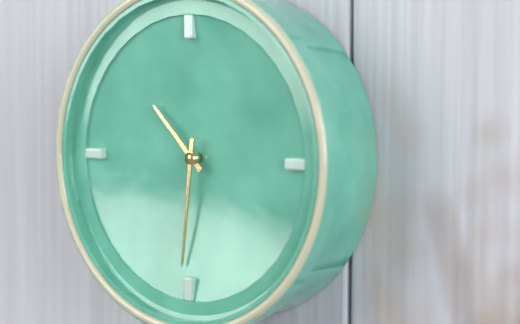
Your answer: **10:31**
